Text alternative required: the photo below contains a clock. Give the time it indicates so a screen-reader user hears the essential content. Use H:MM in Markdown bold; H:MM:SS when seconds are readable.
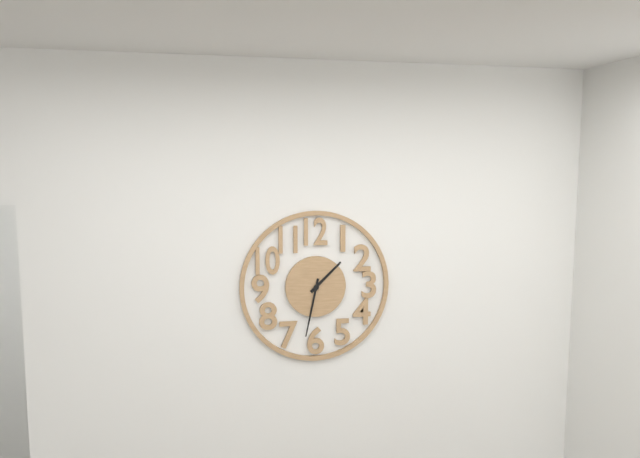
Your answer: **1:32**
